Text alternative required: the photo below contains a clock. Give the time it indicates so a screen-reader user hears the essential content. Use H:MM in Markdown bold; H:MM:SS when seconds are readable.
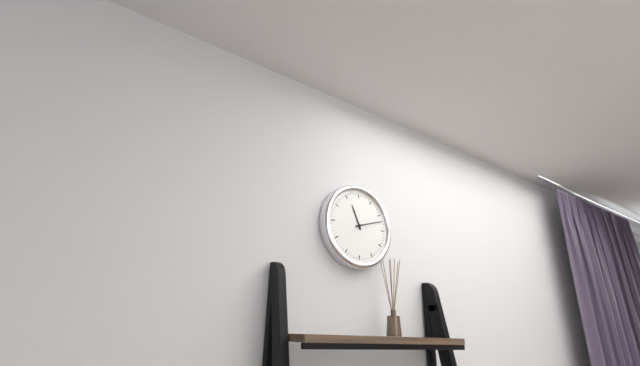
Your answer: **11:12**
